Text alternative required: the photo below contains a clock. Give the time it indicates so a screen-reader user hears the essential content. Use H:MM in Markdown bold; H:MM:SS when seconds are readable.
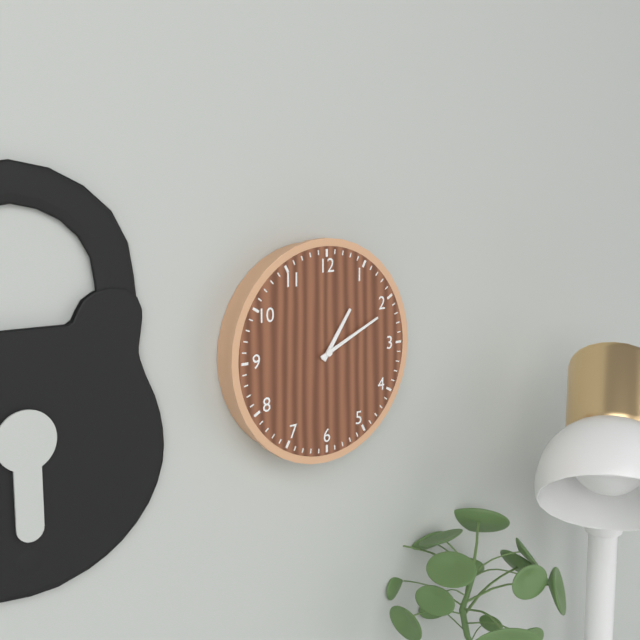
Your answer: **1:11**
